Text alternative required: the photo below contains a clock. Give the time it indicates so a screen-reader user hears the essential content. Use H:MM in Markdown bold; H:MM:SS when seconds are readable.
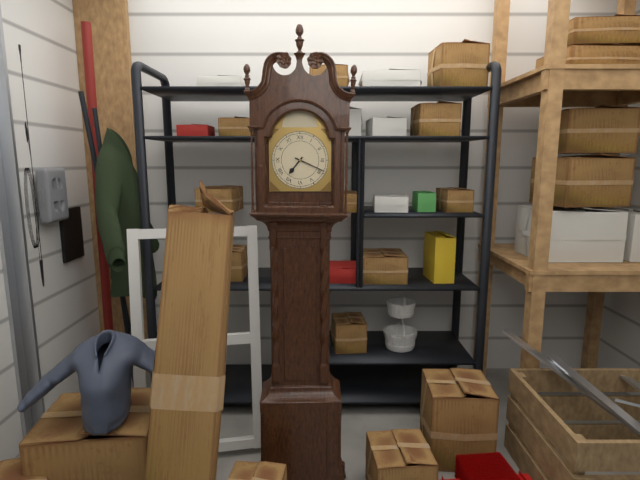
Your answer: **7:19**
